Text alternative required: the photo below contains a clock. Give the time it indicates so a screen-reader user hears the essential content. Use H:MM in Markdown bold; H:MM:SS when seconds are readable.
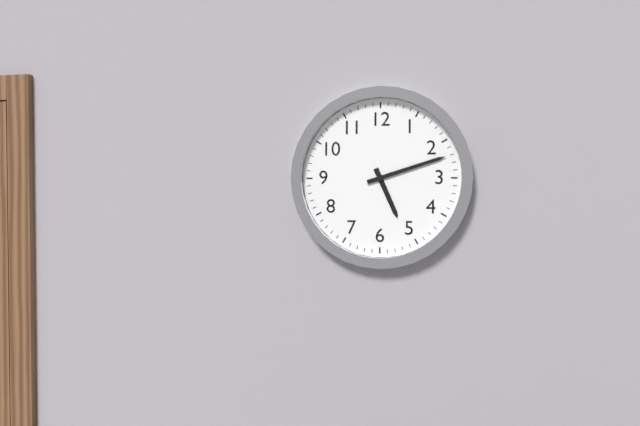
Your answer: **5:12**
